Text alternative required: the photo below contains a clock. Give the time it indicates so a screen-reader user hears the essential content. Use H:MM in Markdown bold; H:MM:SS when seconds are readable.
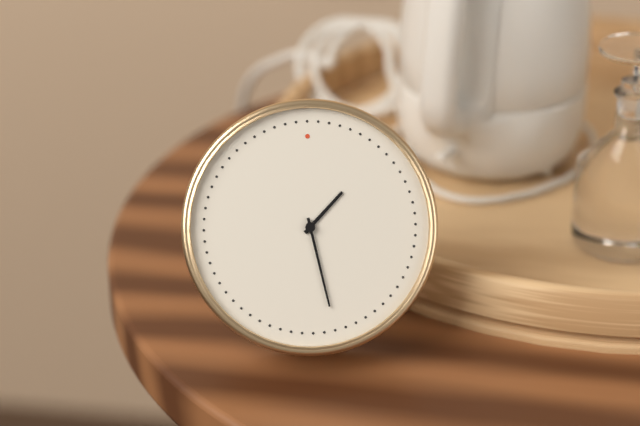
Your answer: **1:28**
